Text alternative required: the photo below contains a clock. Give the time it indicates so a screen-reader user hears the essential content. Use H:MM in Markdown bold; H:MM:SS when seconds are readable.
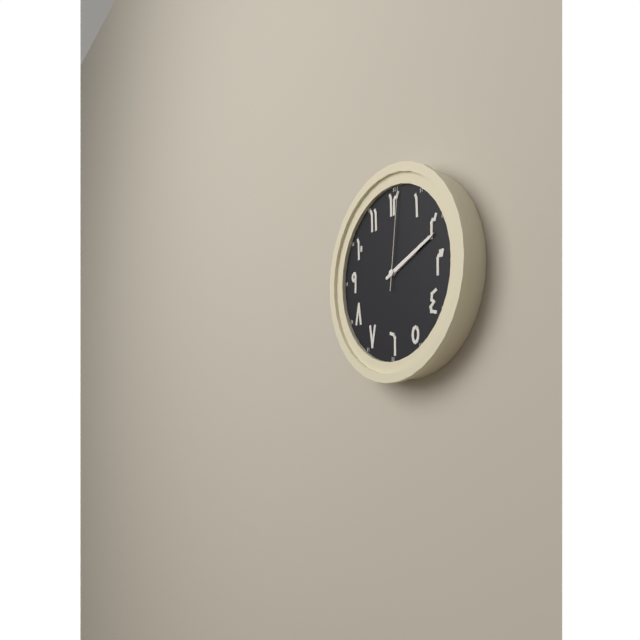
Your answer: **2:11:01**
